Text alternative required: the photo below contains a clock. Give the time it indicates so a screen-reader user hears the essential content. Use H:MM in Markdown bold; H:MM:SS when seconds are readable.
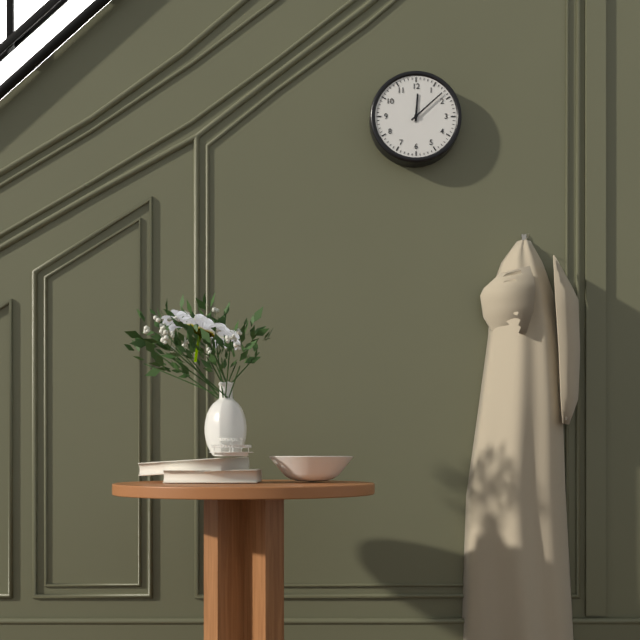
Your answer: **12:08**
